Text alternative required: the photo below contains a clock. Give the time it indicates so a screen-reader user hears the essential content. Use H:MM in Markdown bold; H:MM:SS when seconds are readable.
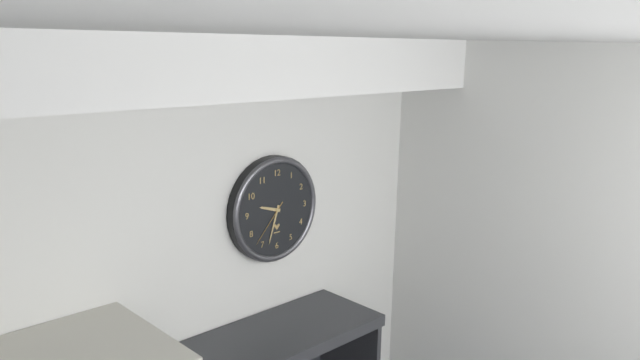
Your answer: **9:33:37**
